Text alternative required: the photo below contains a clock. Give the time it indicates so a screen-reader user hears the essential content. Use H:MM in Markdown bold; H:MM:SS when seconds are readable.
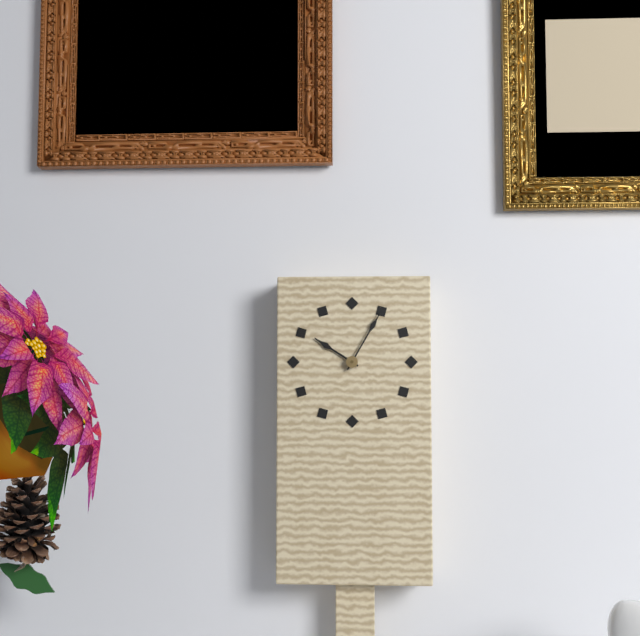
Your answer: **10:05**
